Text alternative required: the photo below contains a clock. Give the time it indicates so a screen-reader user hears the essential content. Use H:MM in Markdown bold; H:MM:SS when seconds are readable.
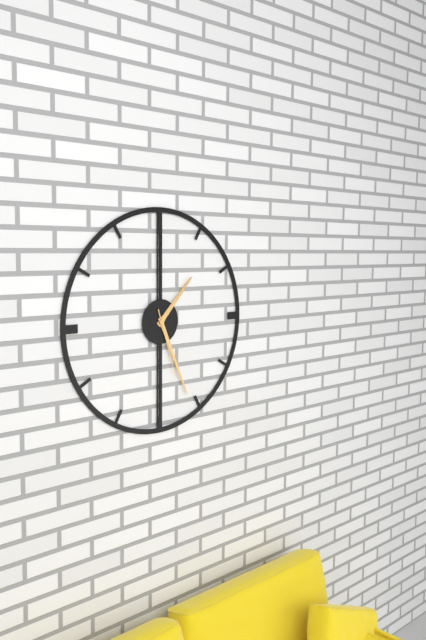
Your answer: **1:26:27**
